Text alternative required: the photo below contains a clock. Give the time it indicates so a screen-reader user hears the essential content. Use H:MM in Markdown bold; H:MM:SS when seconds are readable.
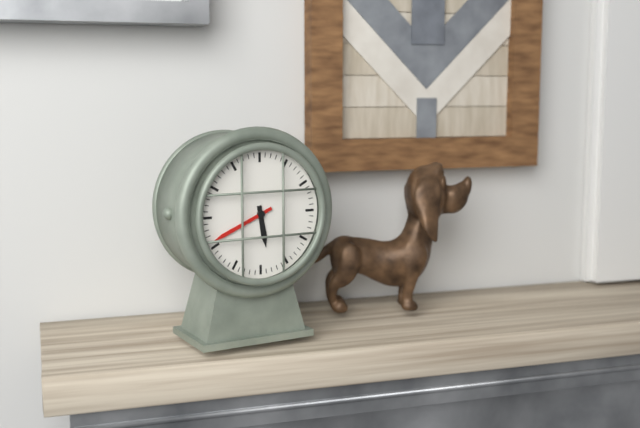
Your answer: **5:41**
